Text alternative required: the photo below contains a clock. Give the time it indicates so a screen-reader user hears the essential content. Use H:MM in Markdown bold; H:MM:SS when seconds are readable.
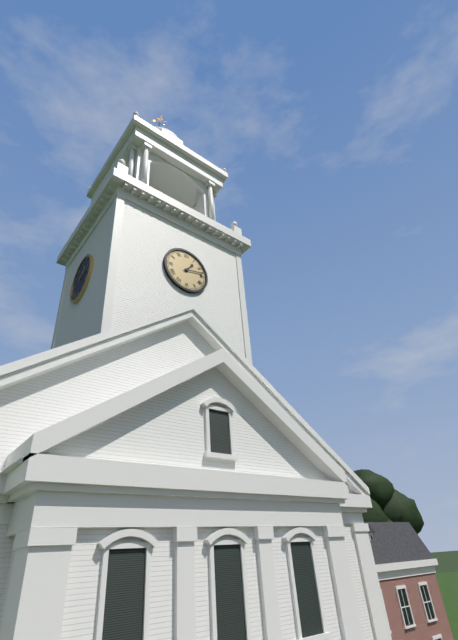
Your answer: **1:13**
